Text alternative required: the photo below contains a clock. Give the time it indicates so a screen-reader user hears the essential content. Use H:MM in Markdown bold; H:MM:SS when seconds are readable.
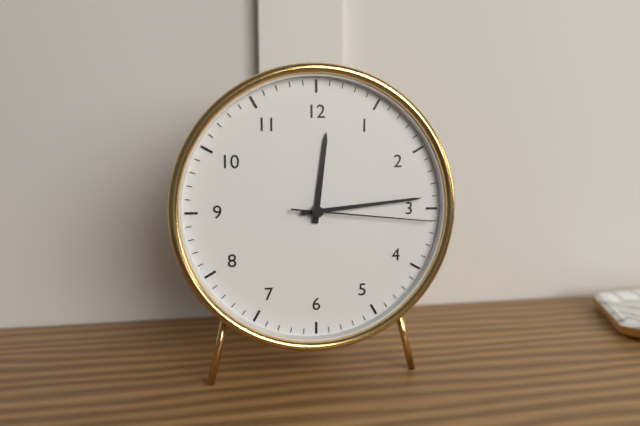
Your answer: **12:14:16**
